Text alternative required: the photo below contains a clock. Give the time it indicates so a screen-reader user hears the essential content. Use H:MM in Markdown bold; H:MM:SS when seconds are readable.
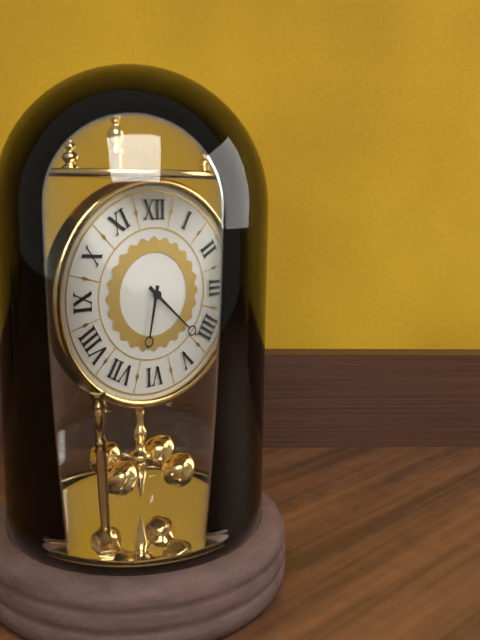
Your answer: **6:22**
